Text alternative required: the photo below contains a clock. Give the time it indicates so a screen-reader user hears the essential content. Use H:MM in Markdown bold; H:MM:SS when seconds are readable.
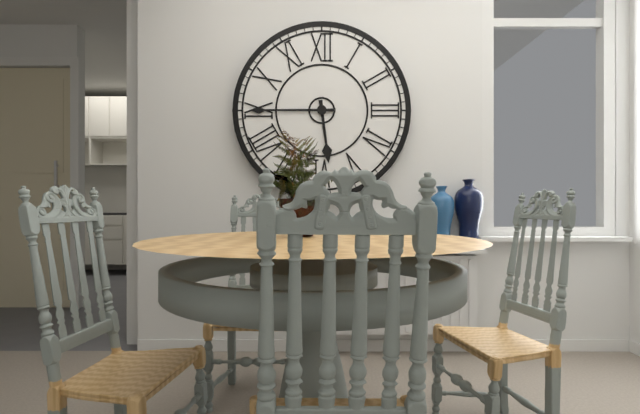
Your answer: **5:45**
